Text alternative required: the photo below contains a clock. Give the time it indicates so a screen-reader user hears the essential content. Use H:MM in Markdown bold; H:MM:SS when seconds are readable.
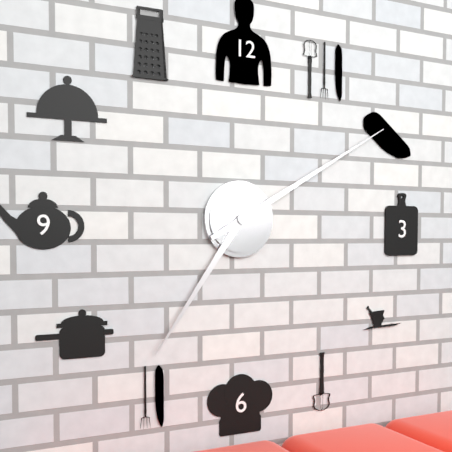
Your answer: **7:10**
